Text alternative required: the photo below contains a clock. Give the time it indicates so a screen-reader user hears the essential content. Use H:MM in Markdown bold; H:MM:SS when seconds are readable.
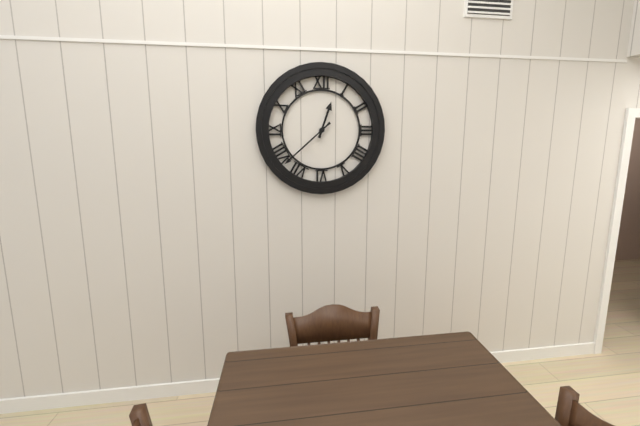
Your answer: **12:38**
